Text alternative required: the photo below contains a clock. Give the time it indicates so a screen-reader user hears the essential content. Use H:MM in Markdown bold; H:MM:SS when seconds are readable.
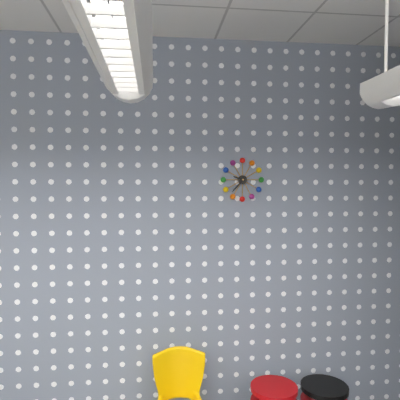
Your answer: **9:37**
